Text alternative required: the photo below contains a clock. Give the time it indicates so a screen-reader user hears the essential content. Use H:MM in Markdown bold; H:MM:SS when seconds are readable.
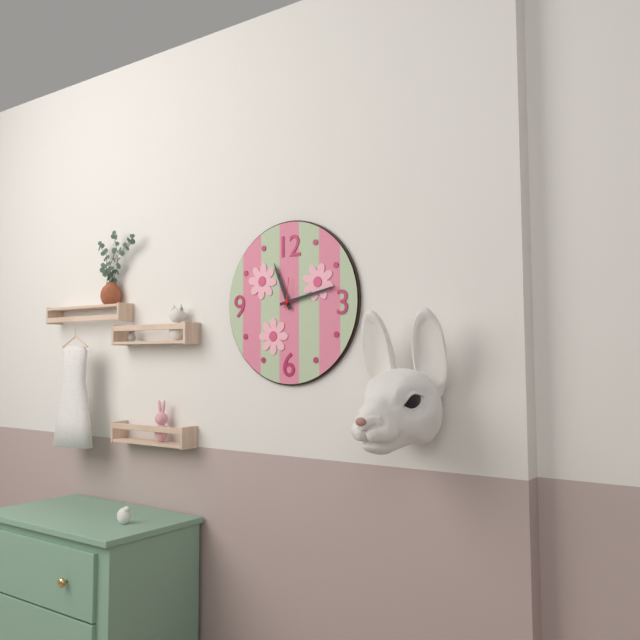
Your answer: **11:13**
